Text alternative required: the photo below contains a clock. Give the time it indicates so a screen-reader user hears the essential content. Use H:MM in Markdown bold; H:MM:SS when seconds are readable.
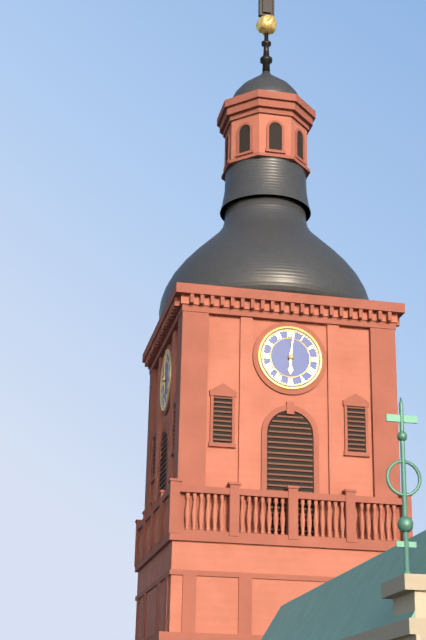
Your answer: **6:01**
